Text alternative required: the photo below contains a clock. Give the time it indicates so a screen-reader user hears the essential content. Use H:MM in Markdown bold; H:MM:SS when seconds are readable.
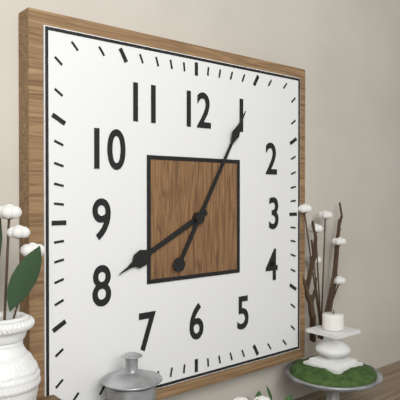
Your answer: **8:05**
